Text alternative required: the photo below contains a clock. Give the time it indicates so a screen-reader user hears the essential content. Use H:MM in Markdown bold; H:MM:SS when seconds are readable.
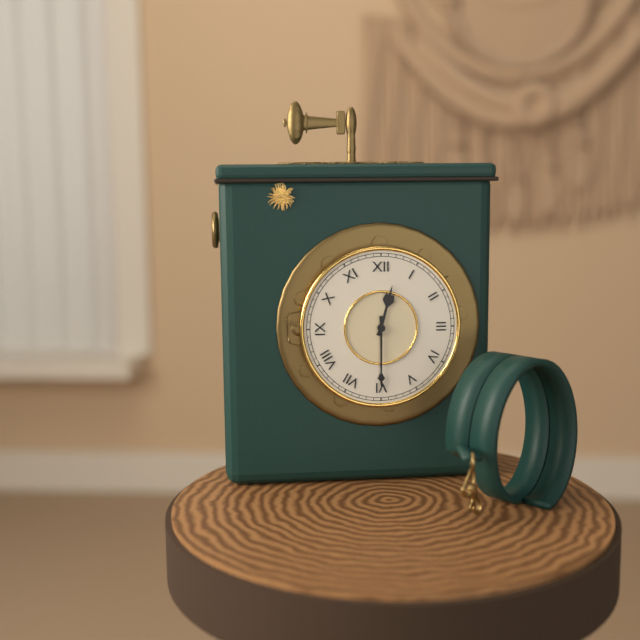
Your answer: **12:30**
